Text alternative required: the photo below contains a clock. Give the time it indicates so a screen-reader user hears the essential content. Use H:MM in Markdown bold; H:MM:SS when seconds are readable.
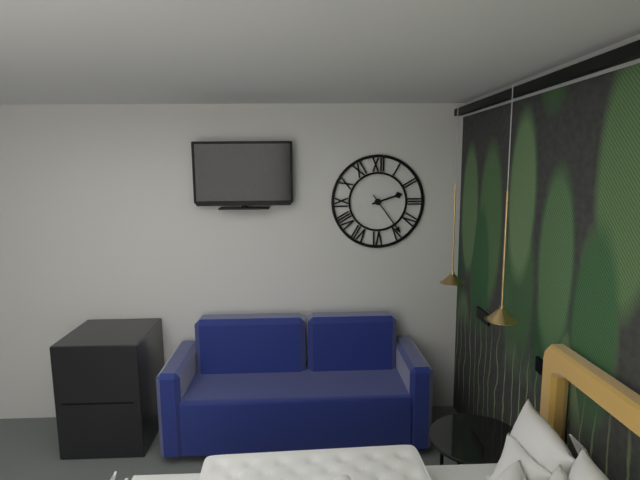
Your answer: **2:24**
